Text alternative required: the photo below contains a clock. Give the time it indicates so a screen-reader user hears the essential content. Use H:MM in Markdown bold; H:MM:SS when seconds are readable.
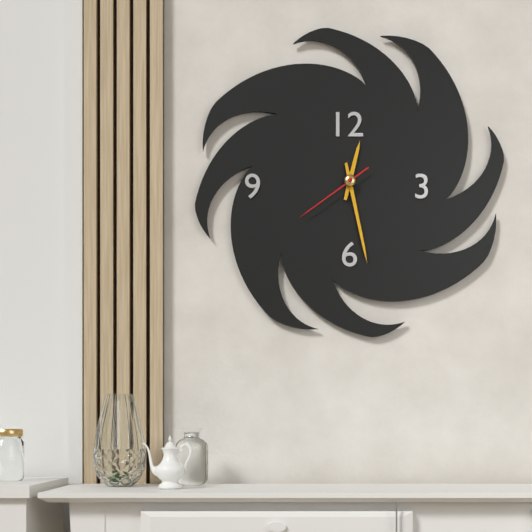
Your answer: **12:28:39**
